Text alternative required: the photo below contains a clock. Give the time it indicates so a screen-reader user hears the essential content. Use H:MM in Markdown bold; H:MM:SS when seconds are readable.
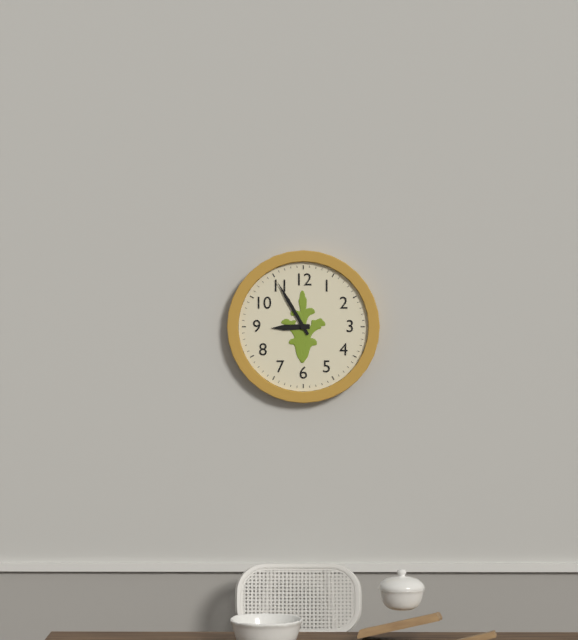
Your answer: **8:55**
